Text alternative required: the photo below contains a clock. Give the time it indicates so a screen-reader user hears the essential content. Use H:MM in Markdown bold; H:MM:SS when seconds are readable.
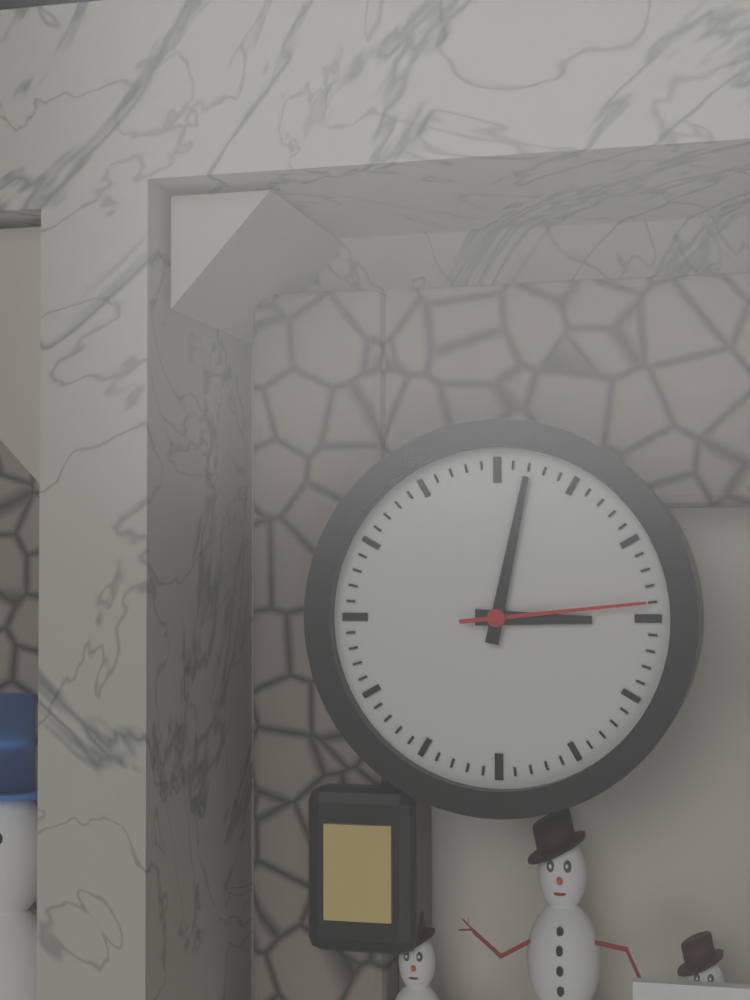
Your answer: **3:02:14**
